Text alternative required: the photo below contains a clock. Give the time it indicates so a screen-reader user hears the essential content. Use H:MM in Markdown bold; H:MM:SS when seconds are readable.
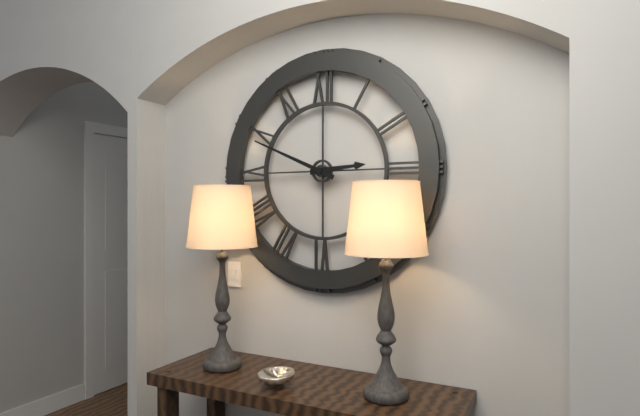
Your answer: **2:49**
